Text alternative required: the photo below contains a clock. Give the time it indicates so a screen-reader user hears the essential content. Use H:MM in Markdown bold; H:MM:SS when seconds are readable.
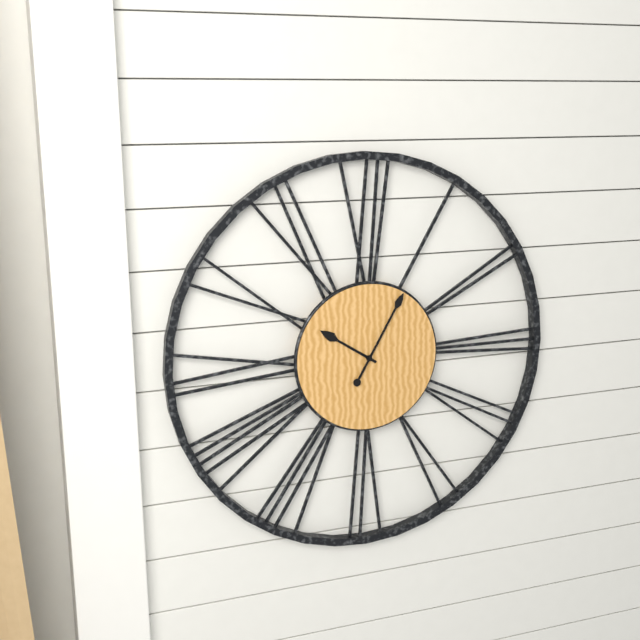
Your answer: **10:05**
